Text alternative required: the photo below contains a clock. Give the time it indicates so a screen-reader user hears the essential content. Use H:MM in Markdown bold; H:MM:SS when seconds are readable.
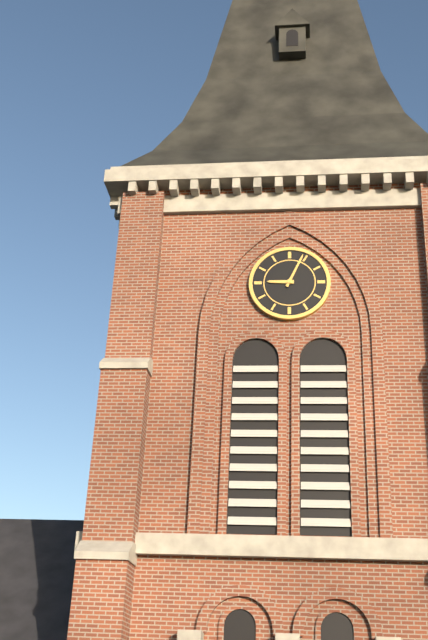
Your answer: **9:04**
